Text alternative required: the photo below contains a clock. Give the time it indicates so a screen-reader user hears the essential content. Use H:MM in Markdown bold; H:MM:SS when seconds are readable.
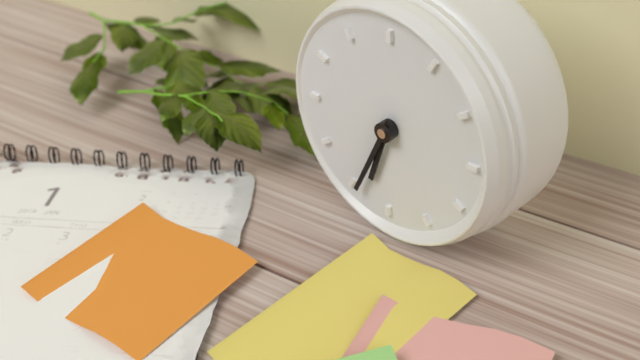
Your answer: **6:34**
